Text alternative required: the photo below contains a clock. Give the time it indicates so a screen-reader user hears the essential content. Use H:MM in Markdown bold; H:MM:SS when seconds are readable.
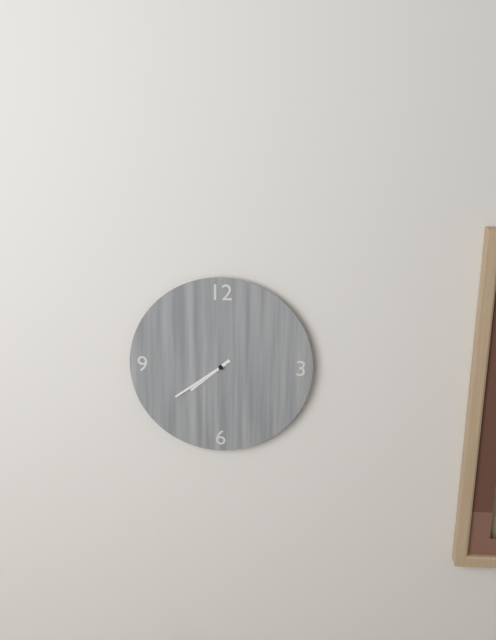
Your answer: **7:39**
